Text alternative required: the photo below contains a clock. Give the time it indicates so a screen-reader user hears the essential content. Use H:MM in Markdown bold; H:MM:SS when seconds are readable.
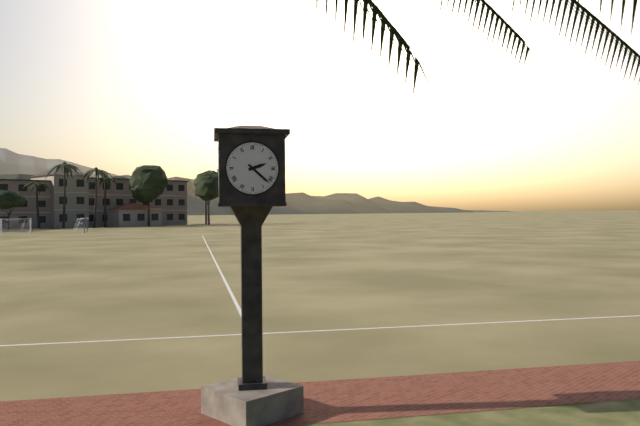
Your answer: **2:22**
